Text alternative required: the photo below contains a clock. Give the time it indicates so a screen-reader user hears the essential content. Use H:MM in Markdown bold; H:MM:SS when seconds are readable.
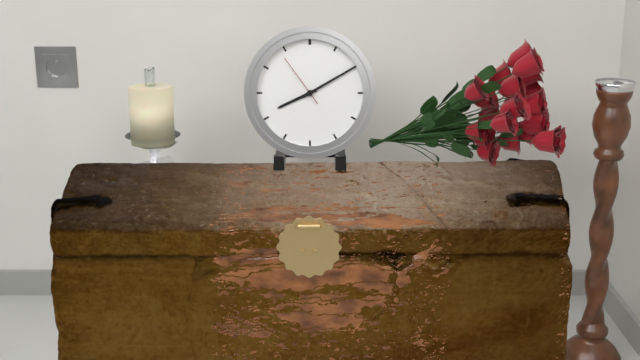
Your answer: **8:10:54**
